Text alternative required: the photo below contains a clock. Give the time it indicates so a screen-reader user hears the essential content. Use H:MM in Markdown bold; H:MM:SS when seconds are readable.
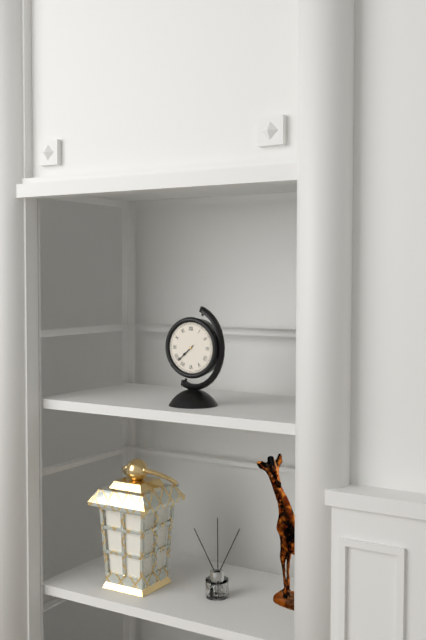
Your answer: **7:38**
